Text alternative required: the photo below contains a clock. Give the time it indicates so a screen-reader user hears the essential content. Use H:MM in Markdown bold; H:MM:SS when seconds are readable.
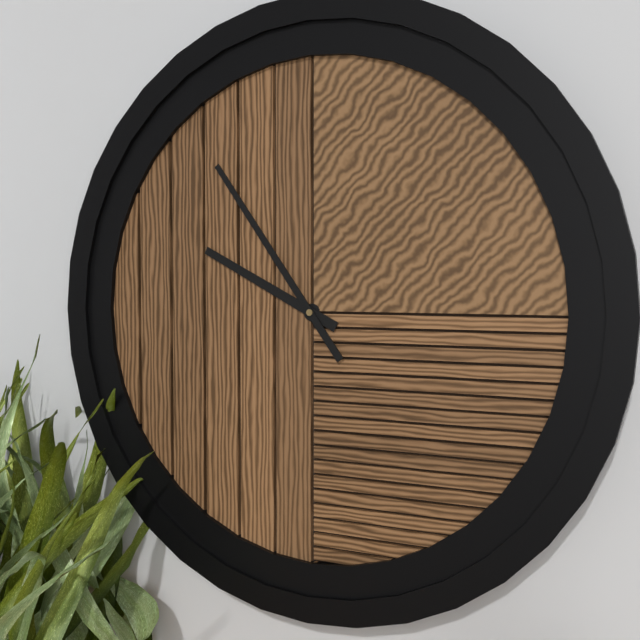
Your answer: **9:54**
